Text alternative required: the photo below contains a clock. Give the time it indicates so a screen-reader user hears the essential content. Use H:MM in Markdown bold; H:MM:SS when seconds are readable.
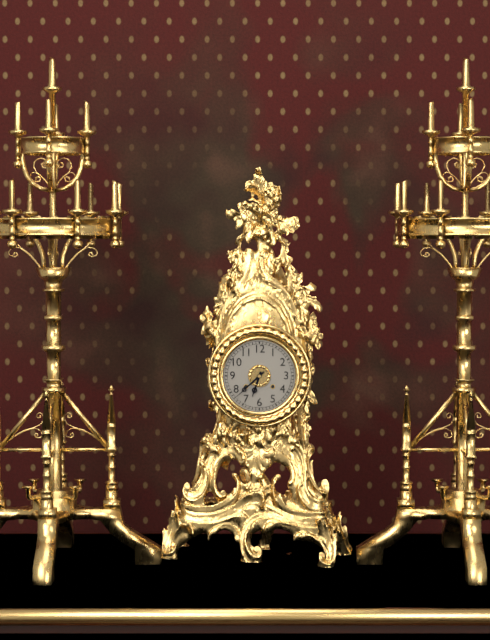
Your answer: **6:38**
